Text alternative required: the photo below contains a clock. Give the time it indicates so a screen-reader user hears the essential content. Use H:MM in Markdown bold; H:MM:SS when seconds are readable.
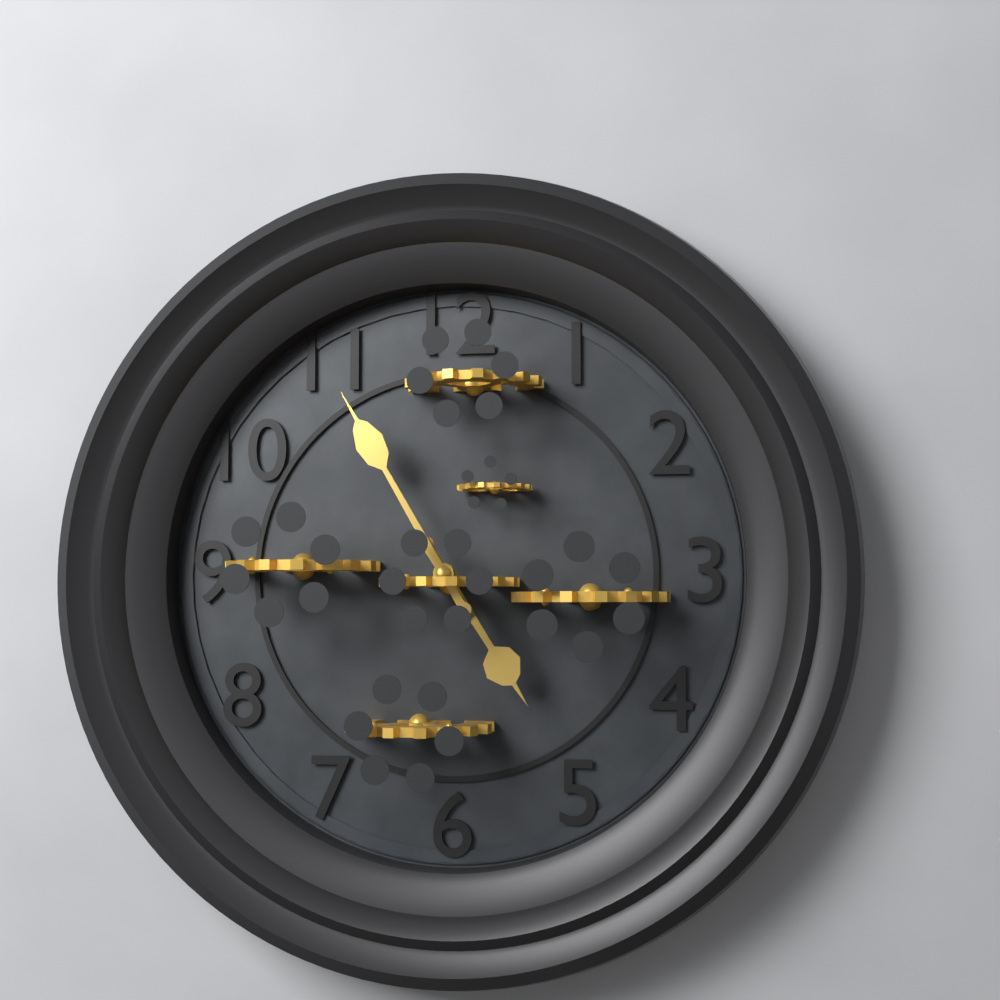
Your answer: **4:55**
